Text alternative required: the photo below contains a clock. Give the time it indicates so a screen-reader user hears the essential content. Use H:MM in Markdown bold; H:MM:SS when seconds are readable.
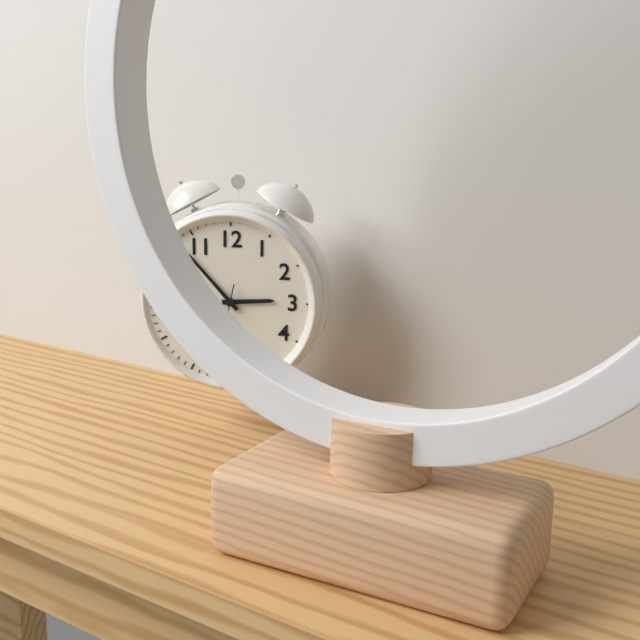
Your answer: **2:53**
